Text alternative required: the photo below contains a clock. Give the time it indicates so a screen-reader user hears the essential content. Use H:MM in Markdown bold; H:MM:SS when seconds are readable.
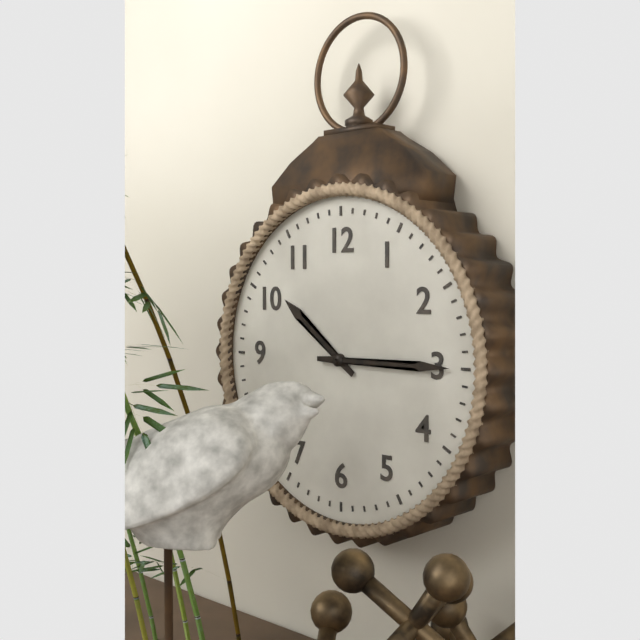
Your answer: **10:15**
